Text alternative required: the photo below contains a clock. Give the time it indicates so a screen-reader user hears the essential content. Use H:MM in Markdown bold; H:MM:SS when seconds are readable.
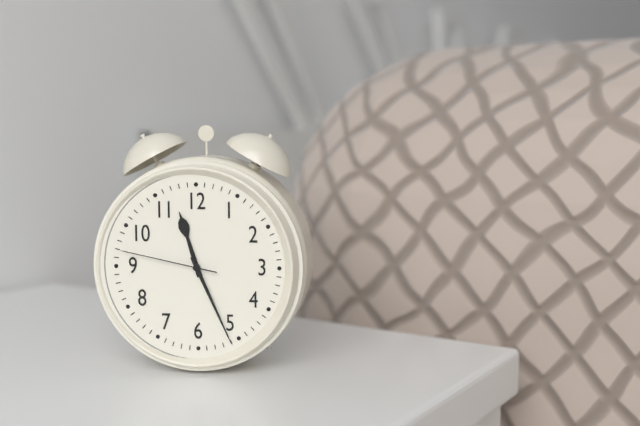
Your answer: **11:26:47**
